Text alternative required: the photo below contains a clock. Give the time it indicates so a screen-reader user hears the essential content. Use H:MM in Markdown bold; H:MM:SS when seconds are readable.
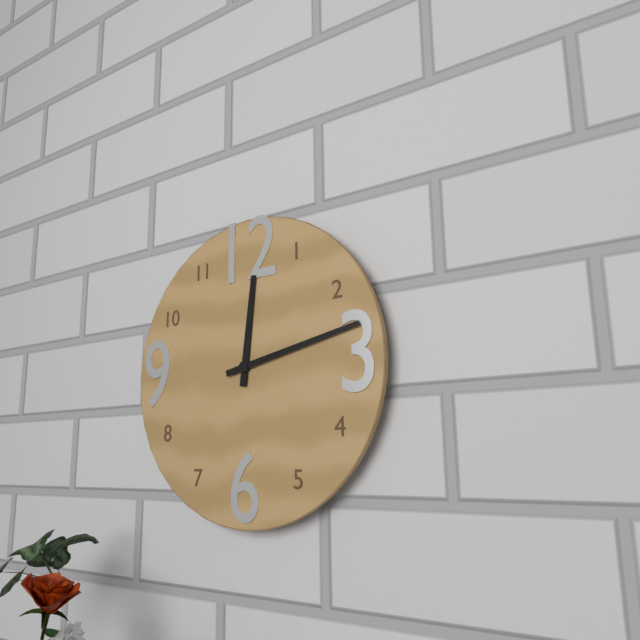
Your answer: **12:13**
